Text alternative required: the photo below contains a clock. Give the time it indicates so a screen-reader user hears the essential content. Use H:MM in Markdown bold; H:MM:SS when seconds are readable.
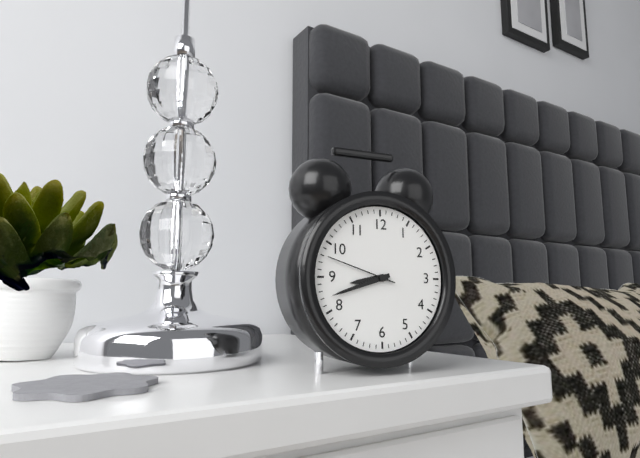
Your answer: **8:42:48**
